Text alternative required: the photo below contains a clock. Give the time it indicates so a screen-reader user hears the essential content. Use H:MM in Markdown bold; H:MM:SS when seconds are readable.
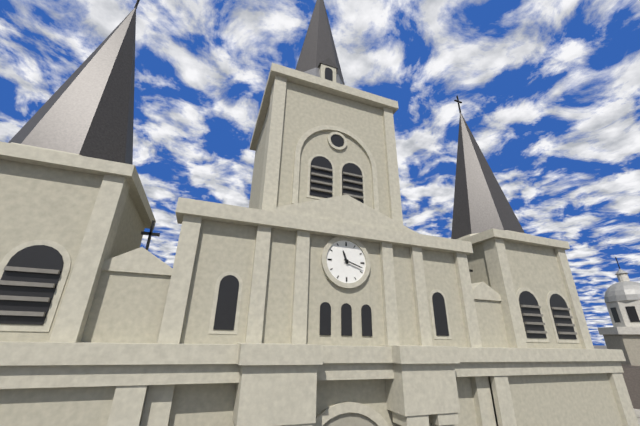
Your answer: **11:18**
